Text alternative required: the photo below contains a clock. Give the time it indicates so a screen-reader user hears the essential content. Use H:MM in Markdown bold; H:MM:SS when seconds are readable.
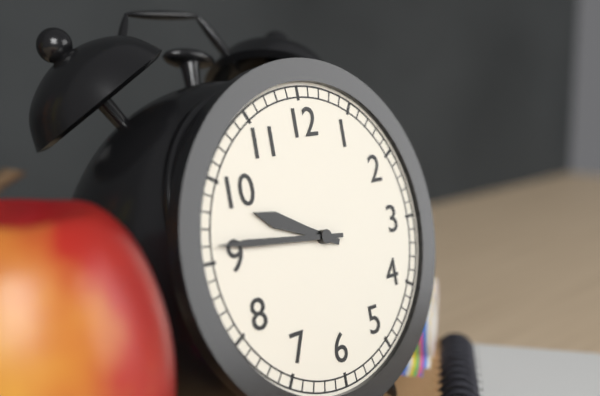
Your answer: **9:46**
